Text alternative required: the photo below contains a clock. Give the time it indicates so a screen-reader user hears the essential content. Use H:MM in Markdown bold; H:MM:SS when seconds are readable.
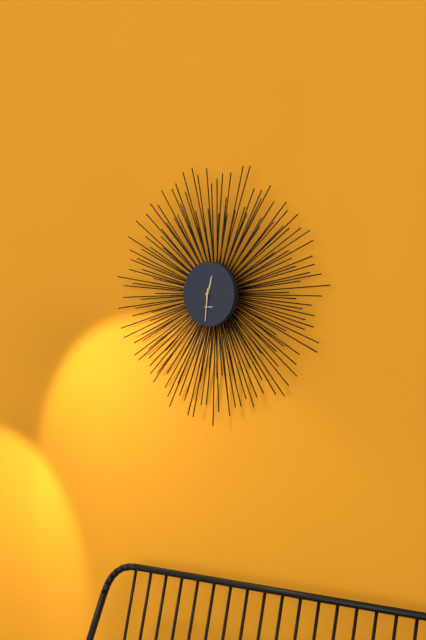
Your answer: **12:31**
